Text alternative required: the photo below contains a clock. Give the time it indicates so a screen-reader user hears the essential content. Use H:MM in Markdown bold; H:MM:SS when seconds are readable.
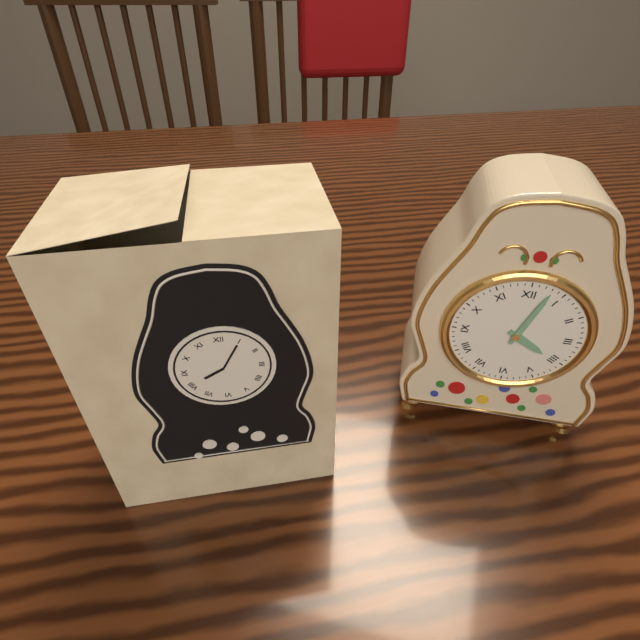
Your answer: **4:03**
